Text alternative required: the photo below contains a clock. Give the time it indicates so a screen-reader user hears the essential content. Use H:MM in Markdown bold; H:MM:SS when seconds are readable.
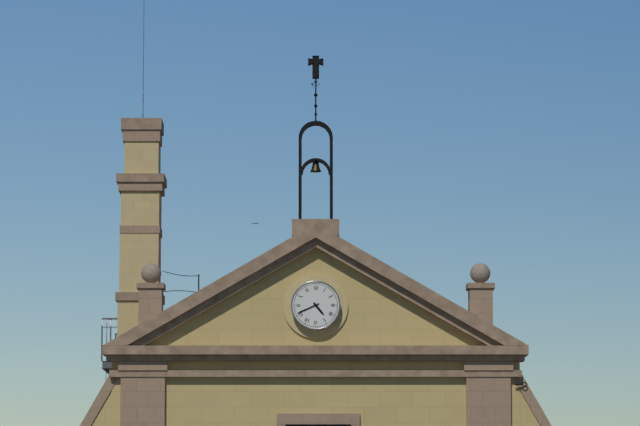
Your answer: **4:41**
